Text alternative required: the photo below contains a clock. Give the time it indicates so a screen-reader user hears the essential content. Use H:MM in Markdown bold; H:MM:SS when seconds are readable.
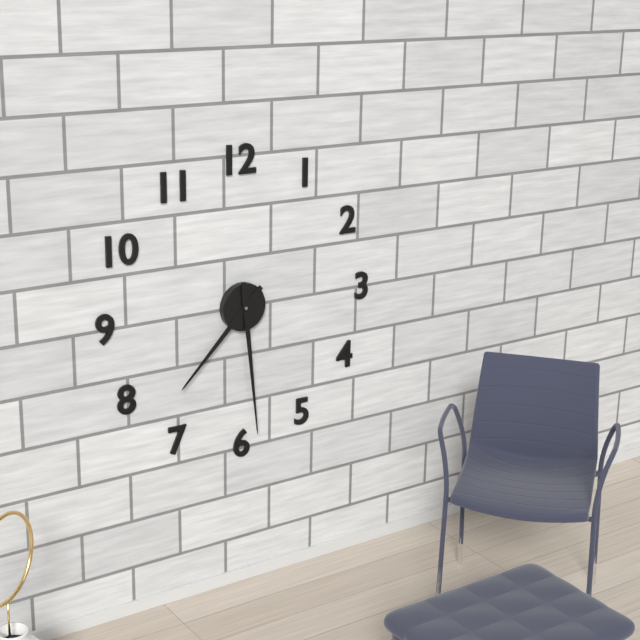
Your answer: **7:29**
